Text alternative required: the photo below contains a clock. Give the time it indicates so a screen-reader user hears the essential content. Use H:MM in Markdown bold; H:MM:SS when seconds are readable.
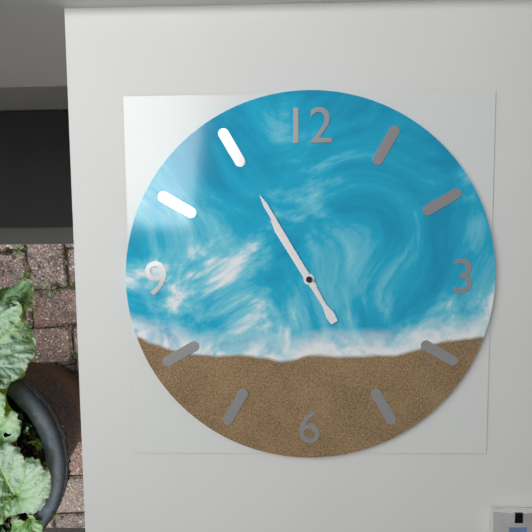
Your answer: **10:55**
